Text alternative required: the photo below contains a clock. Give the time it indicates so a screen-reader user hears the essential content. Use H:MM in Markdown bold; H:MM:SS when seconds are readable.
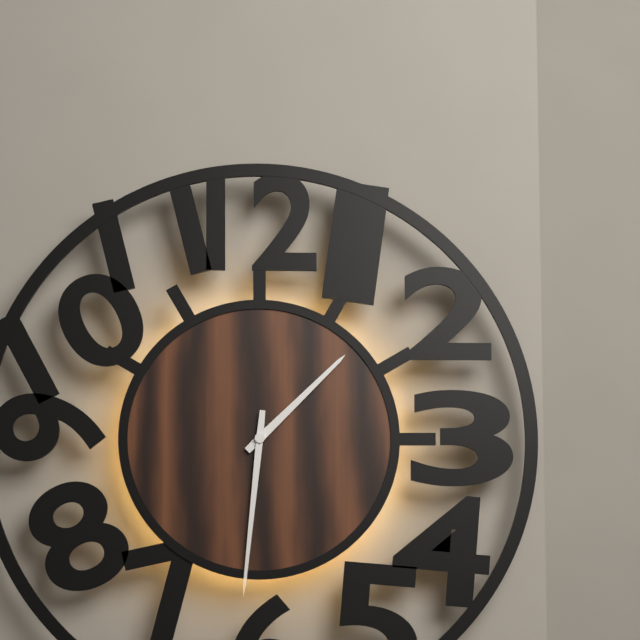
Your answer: **1:31**
